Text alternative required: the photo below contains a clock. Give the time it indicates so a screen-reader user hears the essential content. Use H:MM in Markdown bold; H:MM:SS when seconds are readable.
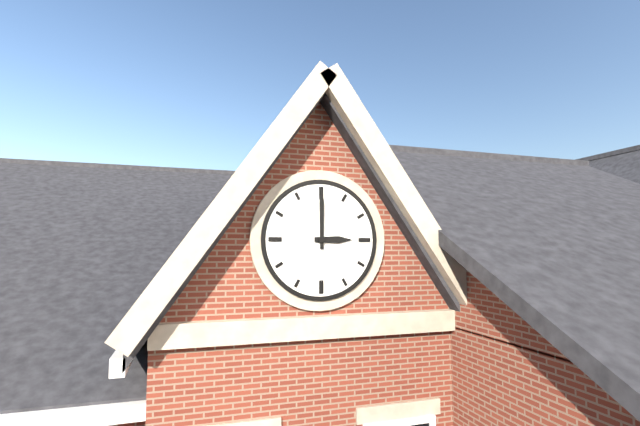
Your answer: **3:00**
